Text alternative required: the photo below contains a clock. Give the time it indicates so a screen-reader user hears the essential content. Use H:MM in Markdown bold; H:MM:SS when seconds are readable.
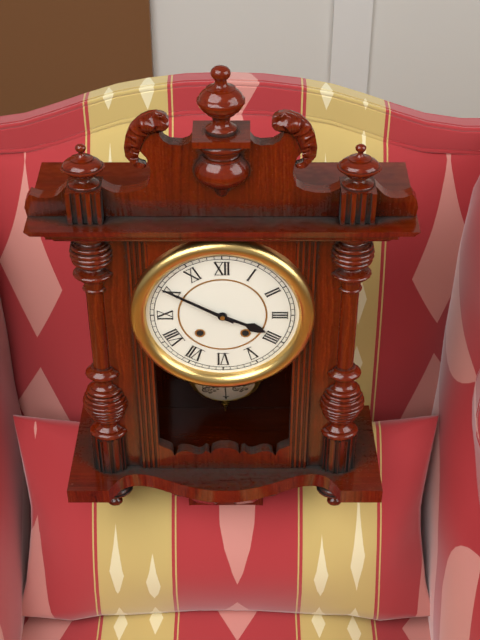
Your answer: **3:50**
